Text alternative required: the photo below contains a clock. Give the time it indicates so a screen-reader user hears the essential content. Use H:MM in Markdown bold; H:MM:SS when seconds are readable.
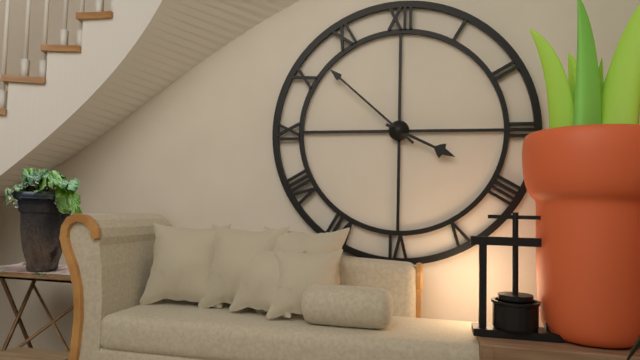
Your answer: **3:52**
